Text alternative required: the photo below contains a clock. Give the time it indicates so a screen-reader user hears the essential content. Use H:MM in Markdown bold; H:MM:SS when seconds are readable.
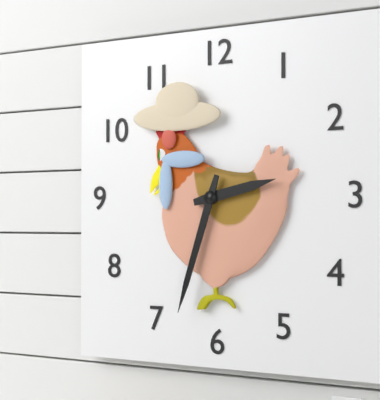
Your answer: **2:33**
